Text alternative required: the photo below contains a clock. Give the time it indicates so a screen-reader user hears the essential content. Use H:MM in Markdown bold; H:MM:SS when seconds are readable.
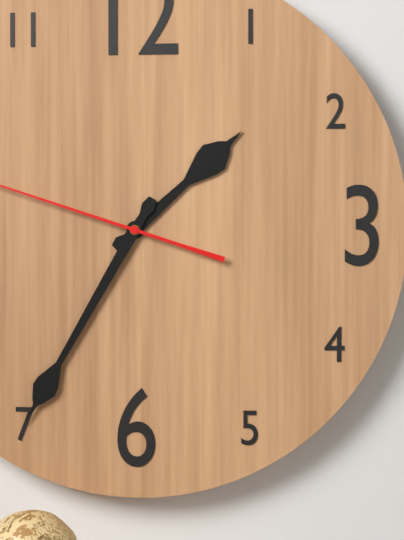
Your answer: **1:35**
